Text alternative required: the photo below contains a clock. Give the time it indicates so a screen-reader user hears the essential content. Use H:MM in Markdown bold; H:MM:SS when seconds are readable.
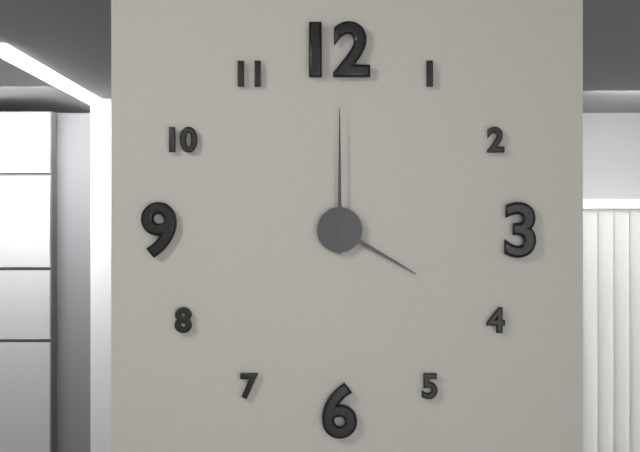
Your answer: **4:00**
